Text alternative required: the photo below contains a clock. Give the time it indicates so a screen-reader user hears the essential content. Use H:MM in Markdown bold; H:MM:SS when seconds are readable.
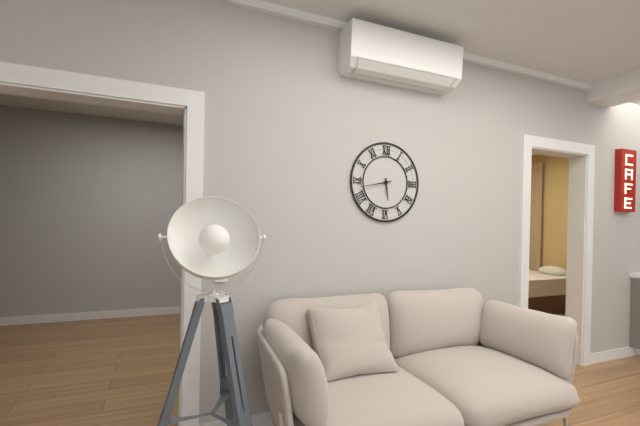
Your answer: **5:43**
